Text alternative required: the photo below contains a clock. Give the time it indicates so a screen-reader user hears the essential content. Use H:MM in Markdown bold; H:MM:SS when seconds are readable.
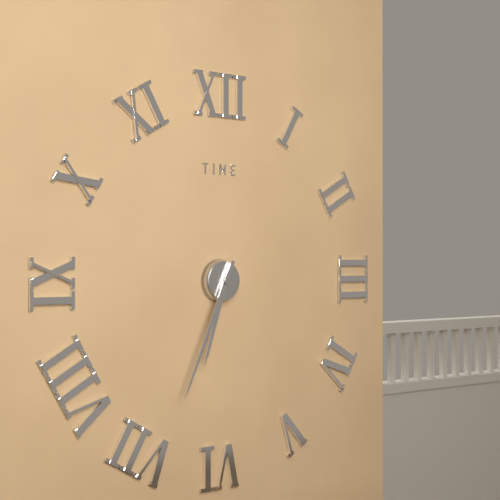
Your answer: **6:34**
